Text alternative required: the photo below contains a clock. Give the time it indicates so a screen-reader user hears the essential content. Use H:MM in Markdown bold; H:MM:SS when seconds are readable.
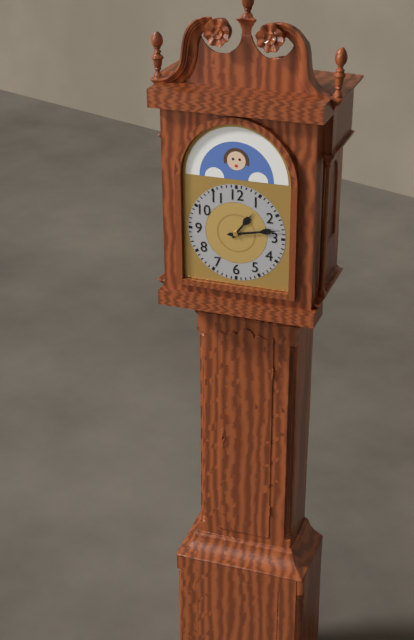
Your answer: **1:13**
